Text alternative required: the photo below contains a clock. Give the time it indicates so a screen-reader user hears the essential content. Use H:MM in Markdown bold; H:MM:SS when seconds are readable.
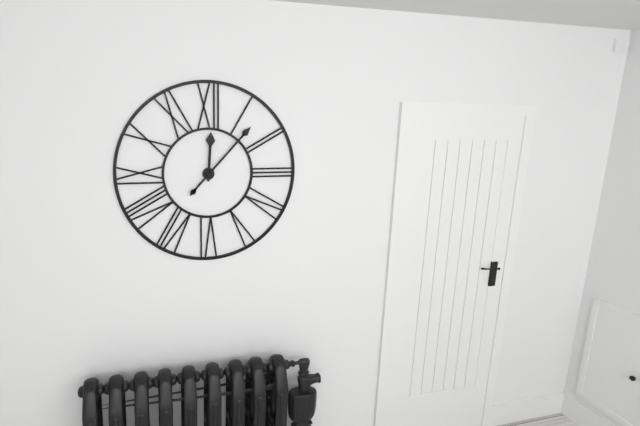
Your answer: **12:07**
